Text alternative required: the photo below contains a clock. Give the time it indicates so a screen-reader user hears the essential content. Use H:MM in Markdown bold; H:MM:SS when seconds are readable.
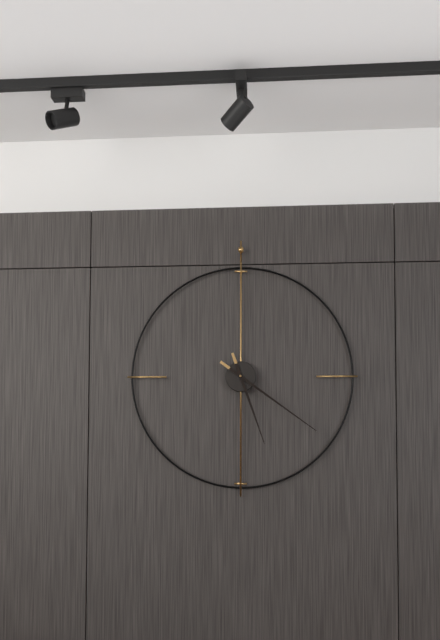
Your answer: **5:21**
